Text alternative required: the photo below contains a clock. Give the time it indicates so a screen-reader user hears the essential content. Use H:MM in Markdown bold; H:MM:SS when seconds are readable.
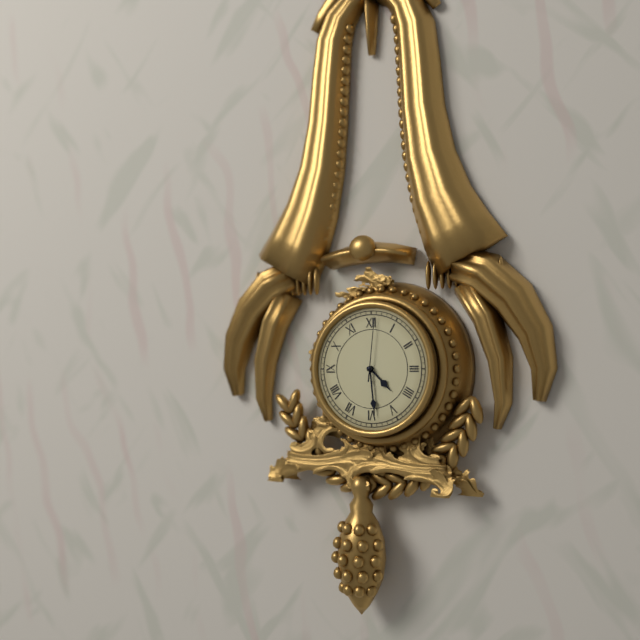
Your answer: **4:29:01**
